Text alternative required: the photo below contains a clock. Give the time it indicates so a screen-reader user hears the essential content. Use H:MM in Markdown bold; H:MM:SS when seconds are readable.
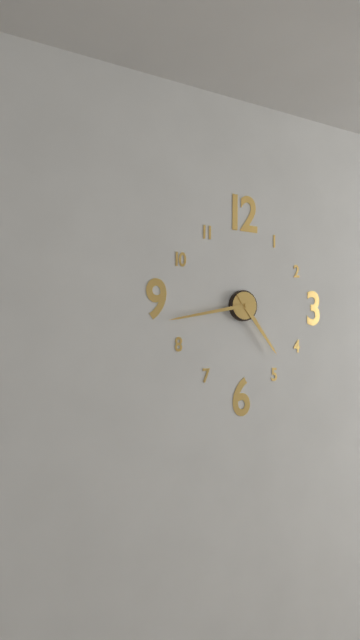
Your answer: **4:43**
